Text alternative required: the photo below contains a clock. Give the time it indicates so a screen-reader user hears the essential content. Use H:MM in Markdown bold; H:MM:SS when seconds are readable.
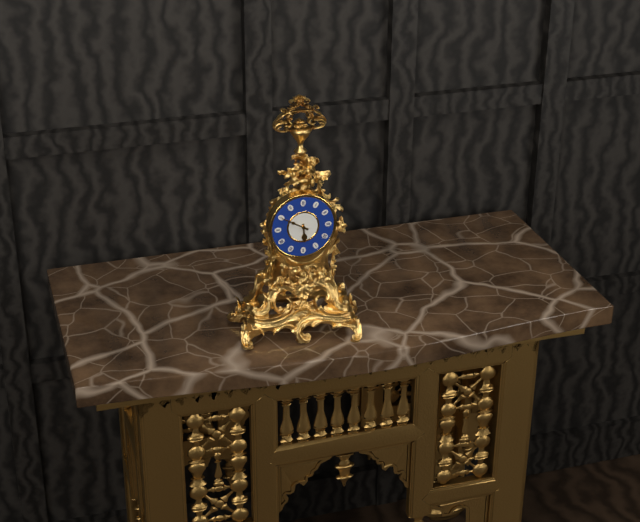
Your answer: **5:50**
